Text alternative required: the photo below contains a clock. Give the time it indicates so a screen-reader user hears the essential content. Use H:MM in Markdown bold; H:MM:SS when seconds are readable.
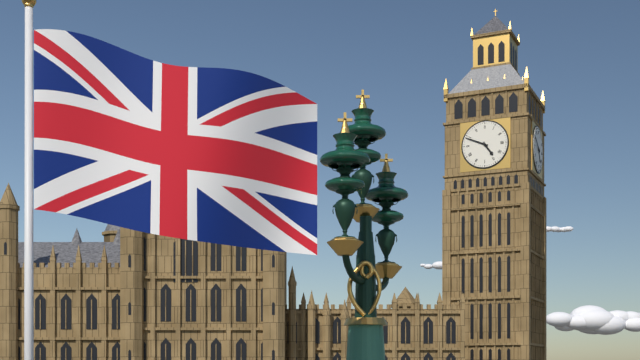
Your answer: **4:49**
